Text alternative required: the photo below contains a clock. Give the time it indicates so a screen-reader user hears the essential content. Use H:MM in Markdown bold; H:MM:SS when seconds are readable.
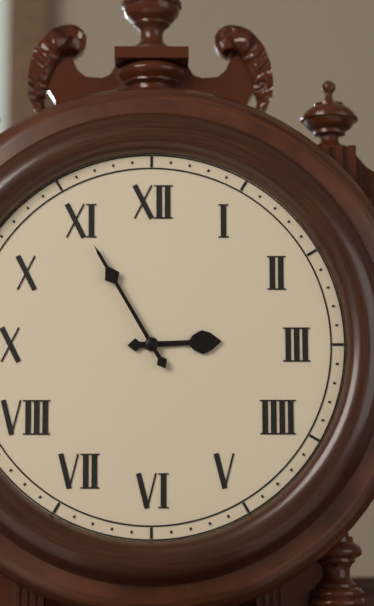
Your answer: **2:55**
